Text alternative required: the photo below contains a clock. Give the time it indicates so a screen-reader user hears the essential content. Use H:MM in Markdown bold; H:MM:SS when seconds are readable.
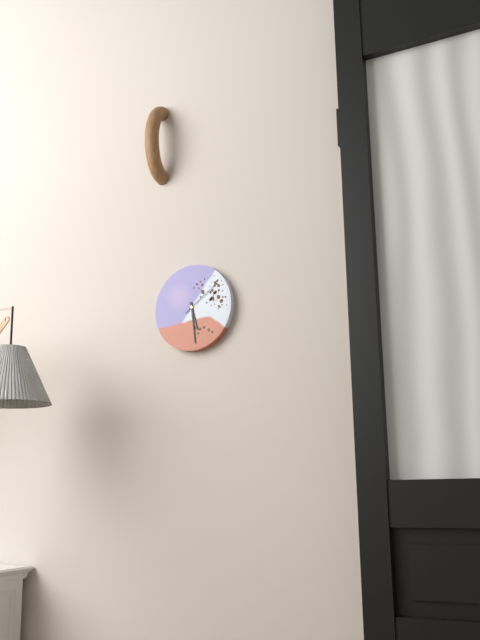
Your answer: **5:29**
